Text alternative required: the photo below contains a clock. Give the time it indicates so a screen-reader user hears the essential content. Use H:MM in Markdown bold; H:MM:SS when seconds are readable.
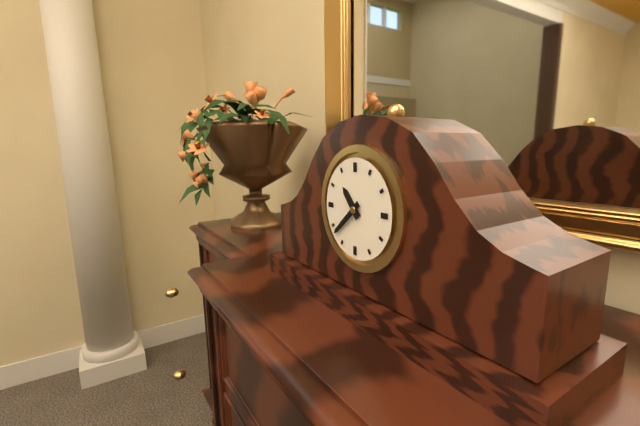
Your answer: **10:38**
